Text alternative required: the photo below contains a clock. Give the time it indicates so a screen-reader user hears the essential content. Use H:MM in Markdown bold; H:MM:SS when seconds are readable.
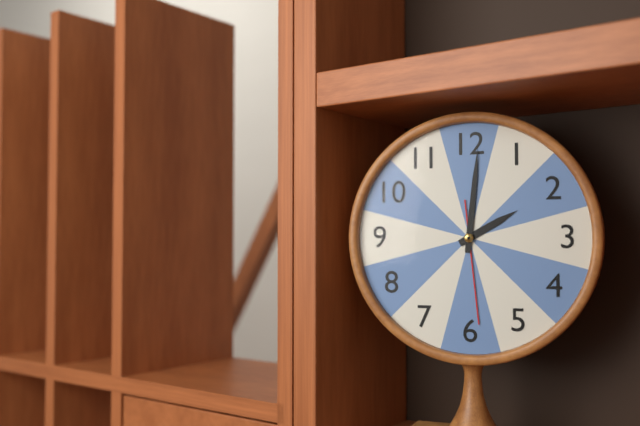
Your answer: **2:01:29**
